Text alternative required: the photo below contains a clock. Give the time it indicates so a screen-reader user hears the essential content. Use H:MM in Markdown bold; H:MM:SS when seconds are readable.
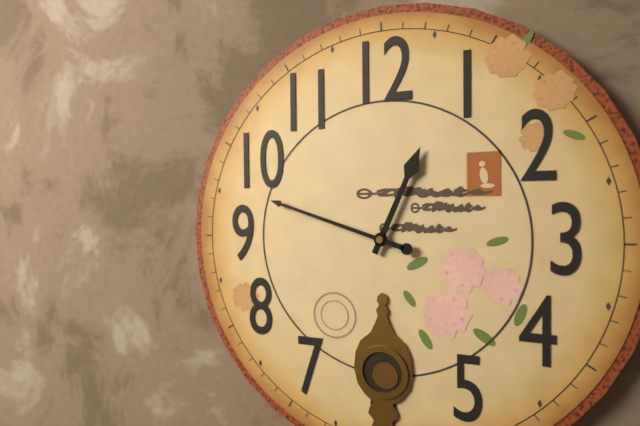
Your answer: **12:48**
